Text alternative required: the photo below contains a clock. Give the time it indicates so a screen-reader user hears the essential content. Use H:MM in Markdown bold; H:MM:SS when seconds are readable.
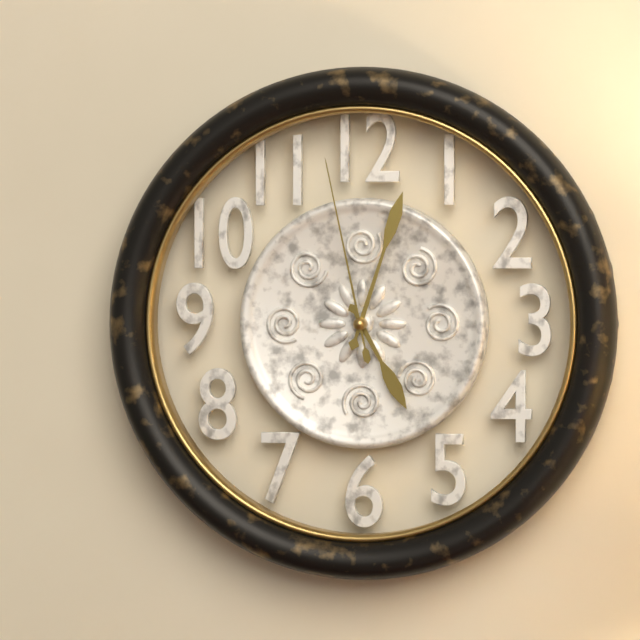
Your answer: **5:03:58**
